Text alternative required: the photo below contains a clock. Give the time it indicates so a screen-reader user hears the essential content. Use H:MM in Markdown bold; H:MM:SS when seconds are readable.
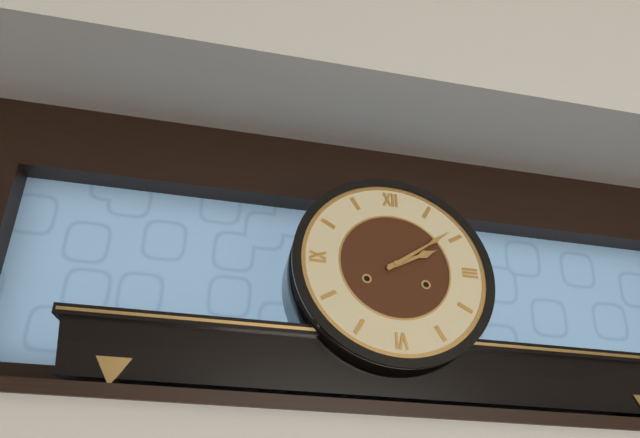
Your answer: **2:09**
